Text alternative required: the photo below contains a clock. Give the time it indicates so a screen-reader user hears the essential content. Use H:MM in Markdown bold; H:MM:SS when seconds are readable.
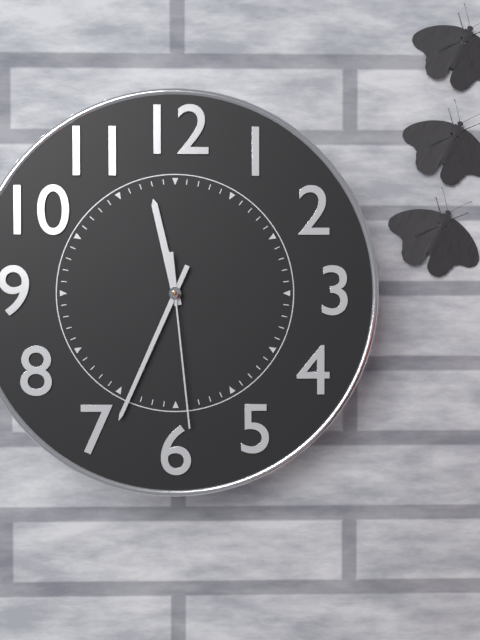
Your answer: **11:34:29**
